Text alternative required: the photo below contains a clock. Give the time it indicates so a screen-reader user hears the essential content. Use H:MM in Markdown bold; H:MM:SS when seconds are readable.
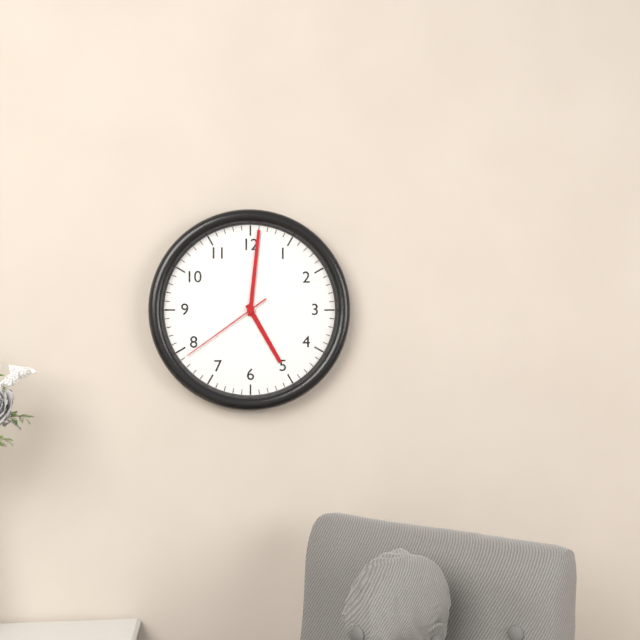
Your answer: **5:01:39**
